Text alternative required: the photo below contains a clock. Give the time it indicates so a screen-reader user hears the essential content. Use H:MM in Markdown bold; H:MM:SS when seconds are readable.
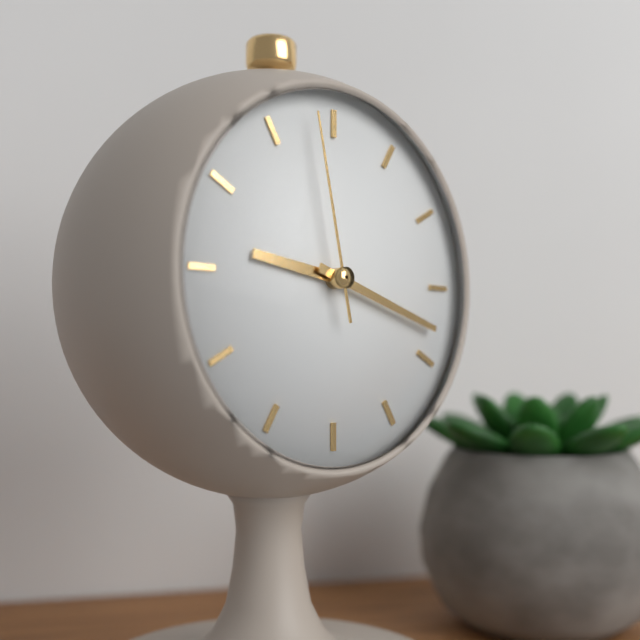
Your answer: **9:18:58**
